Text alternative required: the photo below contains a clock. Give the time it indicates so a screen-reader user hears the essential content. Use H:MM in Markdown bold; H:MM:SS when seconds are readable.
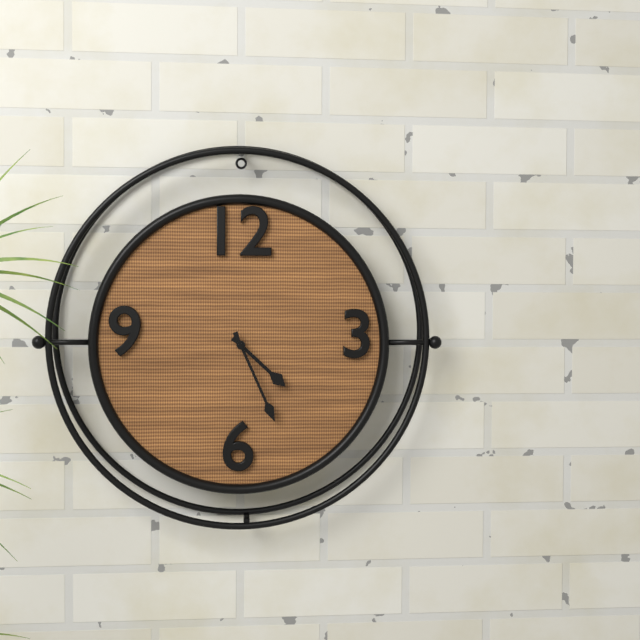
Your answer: **4:26**
